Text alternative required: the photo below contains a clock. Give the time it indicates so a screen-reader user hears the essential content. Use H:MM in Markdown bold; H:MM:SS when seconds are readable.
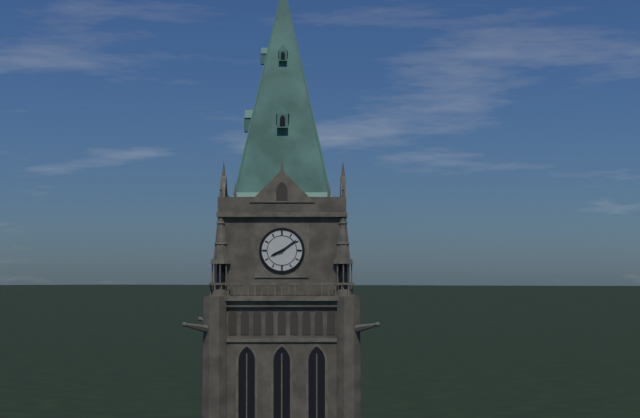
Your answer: **8:09**
